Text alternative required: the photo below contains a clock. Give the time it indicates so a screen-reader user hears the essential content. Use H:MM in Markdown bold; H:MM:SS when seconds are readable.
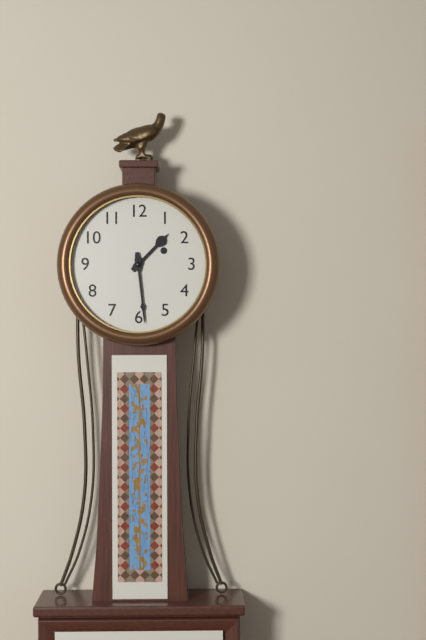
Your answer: **1:29**
